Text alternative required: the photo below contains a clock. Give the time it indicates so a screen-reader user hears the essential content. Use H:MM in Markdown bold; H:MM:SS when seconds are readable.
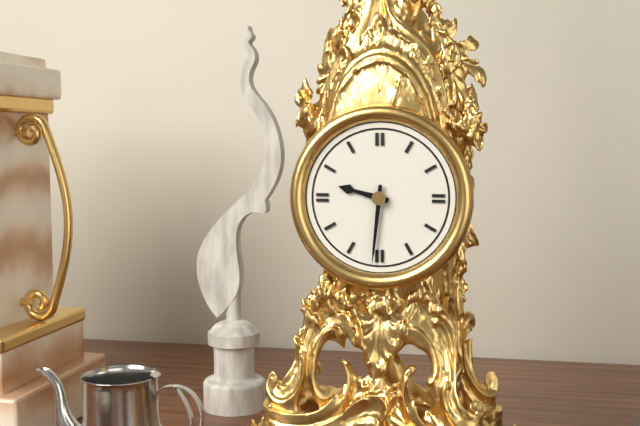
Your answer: **9:31**
